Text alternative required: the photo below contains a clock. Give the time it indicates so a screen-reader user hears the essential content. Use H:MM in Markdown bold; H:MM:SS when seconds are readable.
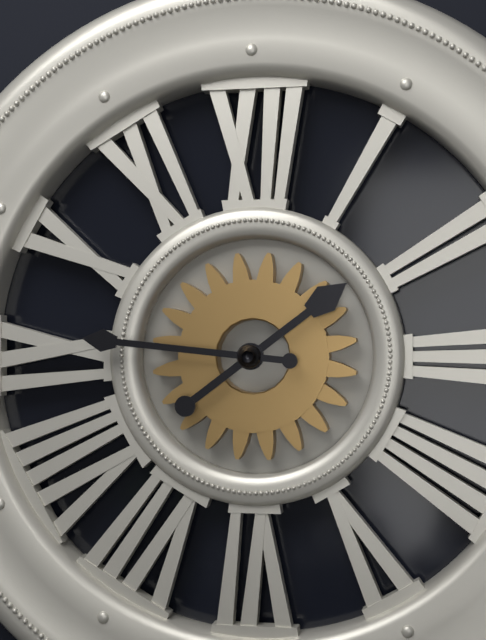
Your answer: **1:46**
